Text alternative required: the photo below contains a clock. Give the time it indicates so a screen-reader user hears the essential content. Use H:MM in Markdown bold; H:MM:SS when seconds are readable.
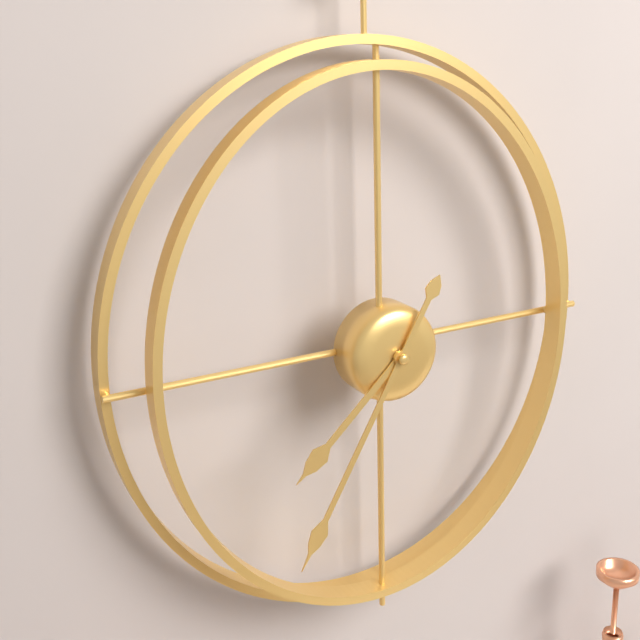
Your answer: **7:35**
